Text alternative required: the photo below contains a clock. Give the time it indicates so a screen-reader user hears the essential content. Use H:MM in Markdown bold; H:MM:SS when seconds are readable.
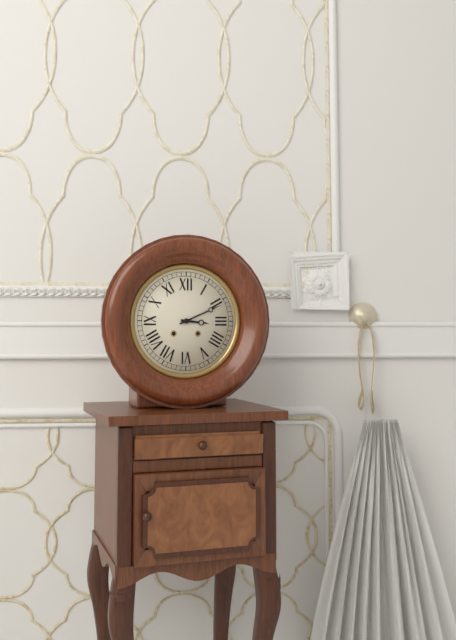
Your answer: **3:11**
